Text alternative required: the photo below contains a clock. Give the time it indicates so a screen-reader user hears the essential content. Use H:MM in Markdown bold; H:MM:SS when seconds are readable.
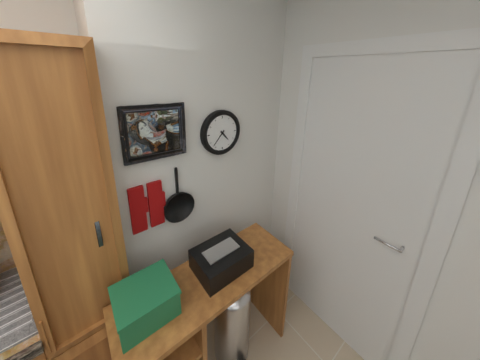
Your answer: **4:37**
